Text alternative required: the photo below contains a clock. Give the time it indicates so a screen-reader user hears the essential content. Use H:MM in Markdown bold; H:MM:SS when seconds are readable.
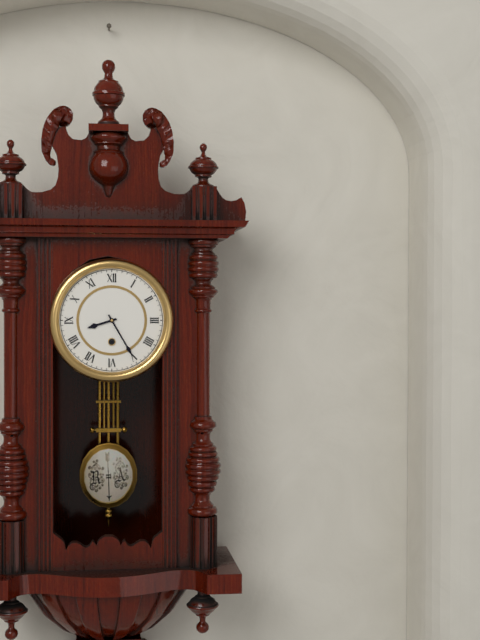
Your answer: **8:25**
